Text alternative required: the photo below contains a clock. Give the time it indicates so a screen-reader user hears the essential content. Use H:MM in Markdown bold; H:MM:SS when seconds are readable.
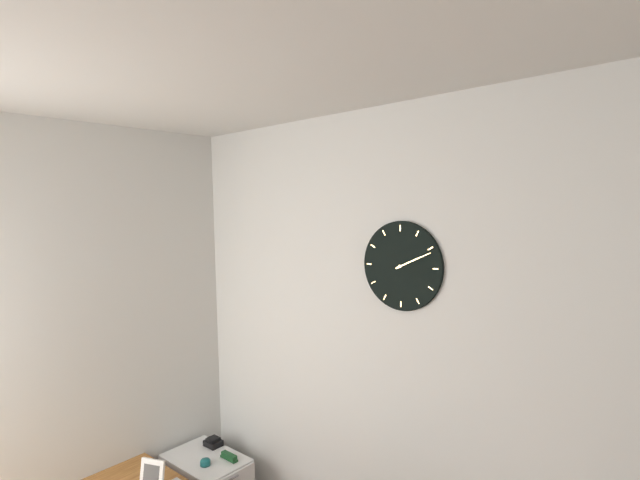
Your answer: **2:11**
